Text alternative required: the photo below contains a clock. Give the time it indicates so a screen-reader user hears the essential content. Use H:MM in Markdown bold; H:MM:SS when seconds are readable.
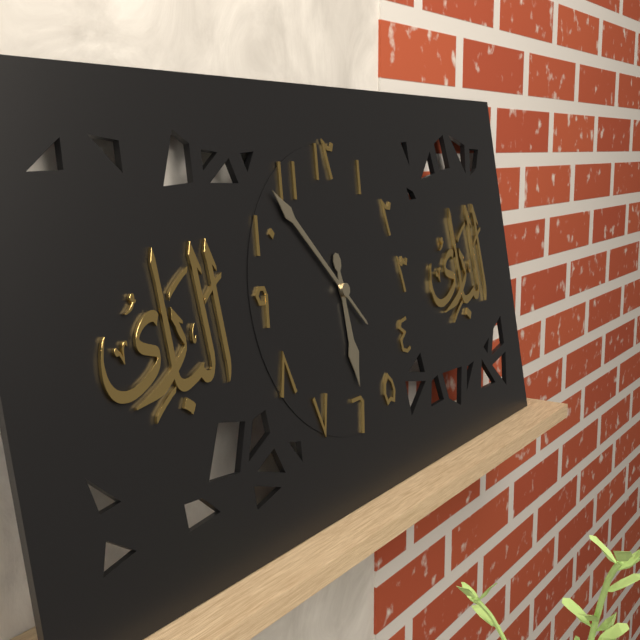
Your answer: **5:53**
